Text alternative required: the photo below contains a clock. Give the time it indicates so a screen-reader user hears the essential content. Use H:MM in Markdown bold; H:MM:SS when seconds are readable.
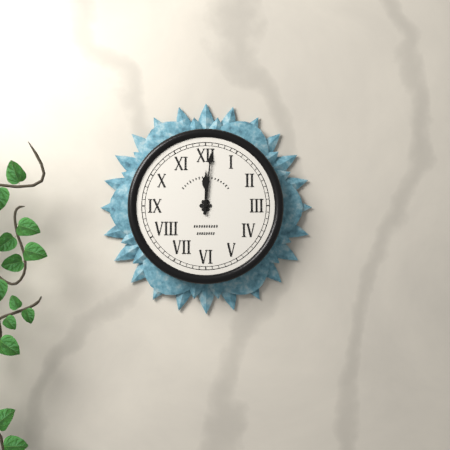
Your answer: **12:01**
